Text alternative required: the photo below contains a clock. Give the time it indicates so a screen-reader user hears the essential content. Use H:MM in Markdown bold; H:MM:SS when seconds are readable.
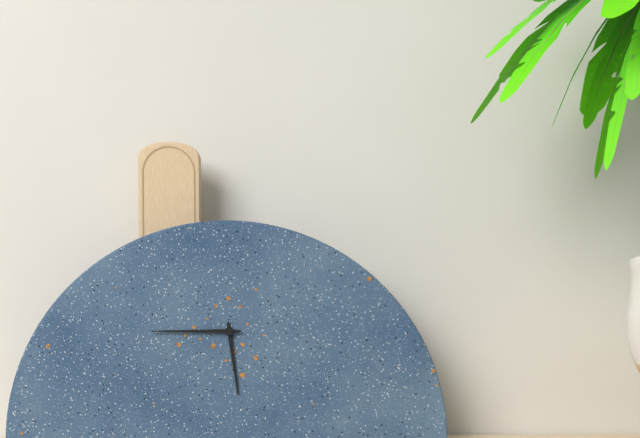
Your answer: **5:45**
